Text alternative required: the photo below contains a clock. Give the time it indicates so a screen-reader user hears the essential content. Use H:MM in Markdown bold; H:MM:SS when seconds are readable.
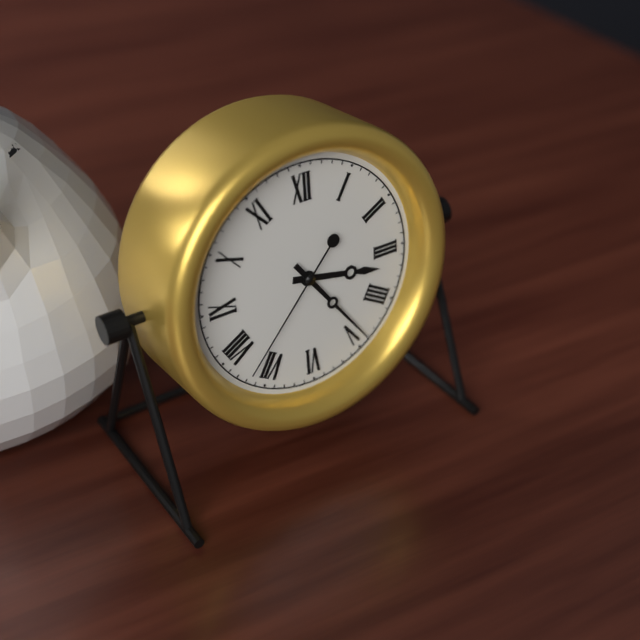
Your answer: **3:24:37**
